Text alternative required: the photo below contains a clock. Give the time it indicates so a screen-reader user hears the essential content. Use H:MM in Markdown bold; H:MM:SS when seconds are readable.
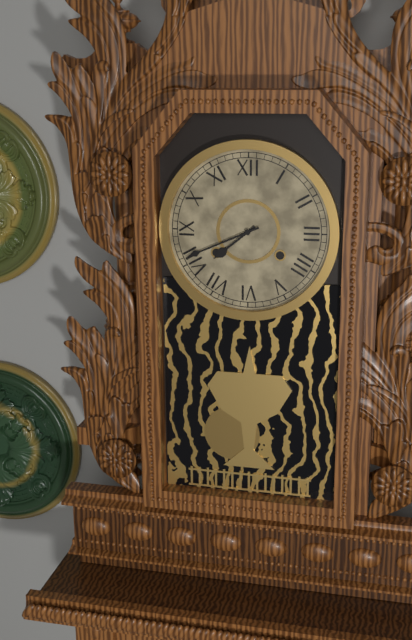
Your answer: **7:41**
